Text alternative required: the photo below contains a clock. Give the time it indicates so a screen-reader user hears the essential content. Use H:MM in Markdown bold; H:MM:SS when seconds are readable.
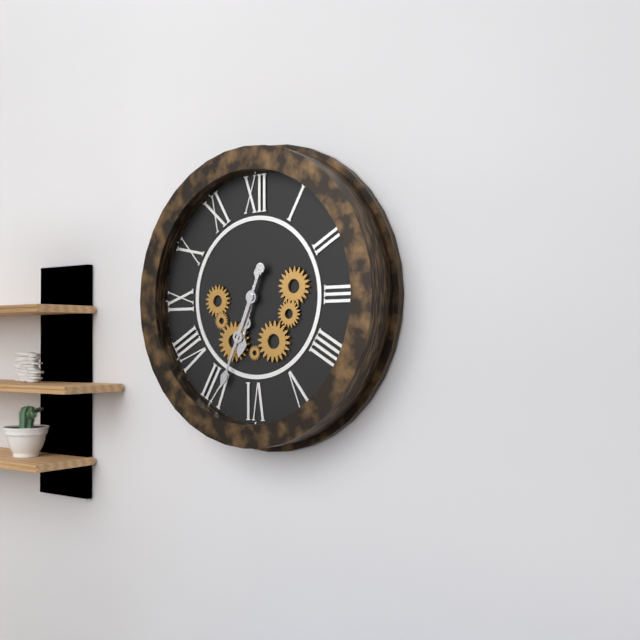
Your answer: **6:34**
